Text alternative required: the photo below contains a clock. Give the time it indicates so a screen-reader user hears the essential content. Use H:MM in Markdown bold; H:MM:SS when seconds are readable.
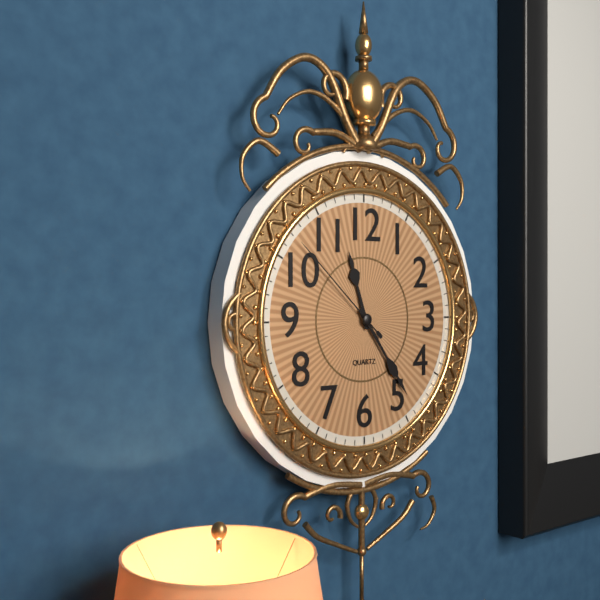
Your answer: **11:24:52**
